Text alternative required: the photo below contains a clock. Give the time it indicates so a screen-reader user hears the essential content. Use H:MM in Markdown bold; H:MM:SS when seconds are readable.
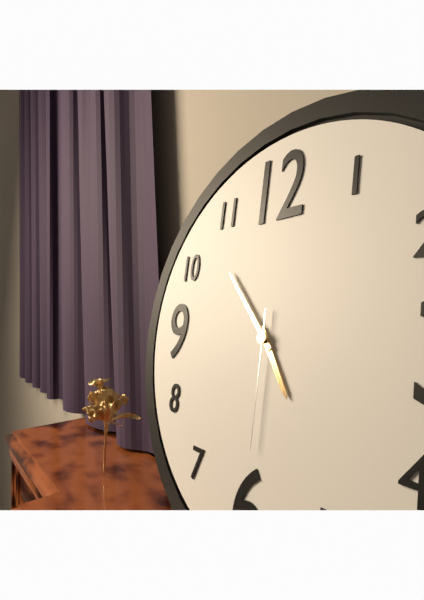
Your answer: **4:53:30**
